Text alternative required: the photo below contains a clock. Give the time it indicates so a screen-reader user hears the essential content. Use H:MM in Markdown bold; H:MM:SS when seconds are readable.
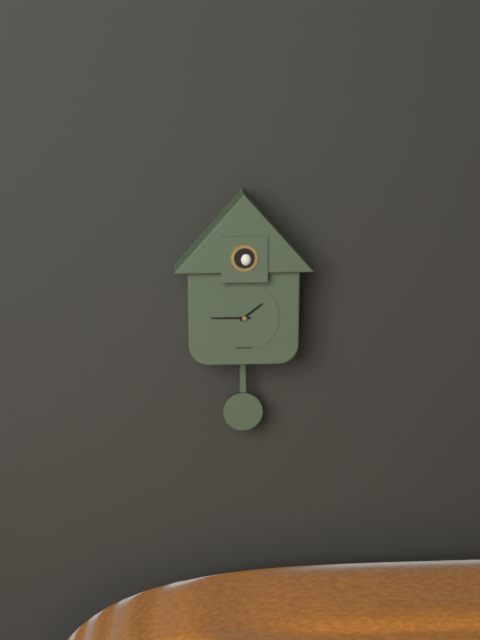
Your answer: **1:45**
